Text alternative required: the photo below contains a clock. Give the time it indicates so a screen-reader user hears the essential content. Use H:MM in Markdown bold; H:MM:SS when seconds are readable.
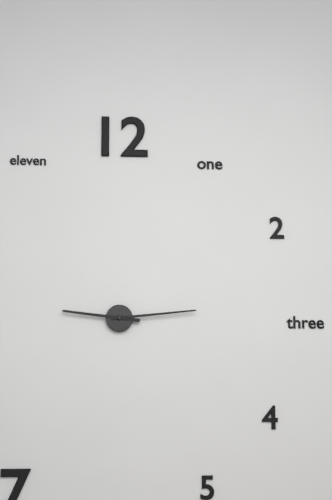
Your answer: **9:14**
